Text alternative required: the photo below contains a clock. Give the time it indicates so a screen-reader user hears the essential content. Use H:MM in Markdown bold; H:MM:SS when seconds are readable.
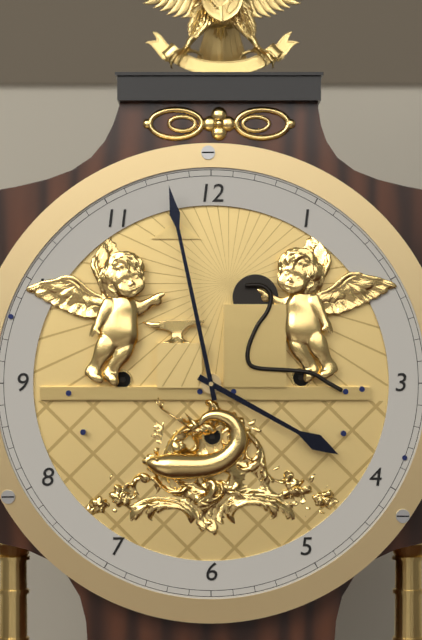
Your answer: **3:58**
